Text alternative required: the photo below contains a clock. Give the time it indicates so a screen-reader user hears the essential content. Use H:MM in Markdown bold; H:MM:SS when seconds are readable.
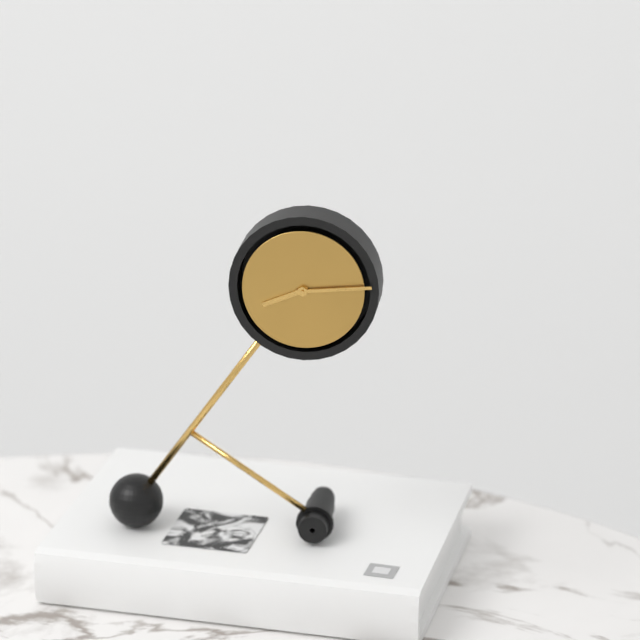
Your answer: **8:14**
